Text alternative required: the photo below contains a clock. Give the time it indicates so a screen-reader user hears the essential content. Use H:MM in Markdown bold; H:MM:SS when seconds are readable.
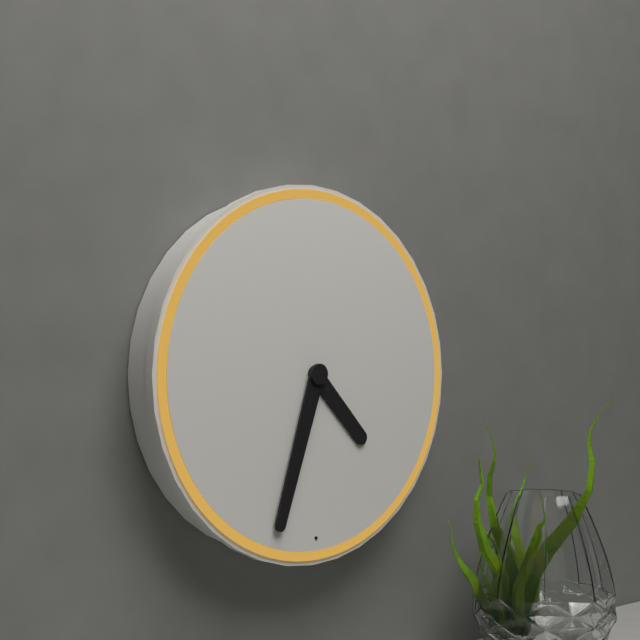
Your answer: **4:33**
